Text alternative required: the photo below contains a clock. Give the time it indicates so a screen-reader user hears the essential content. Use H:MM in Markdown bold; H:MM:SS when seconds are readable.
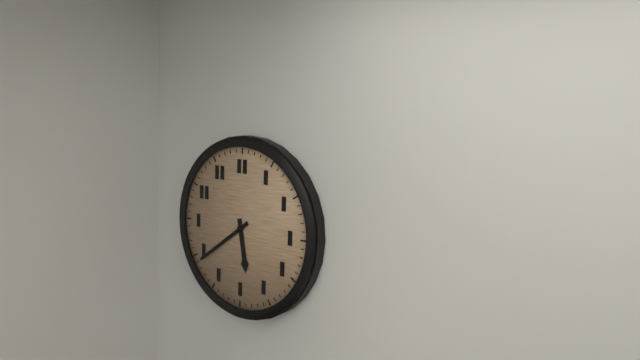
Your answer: **5:39**
